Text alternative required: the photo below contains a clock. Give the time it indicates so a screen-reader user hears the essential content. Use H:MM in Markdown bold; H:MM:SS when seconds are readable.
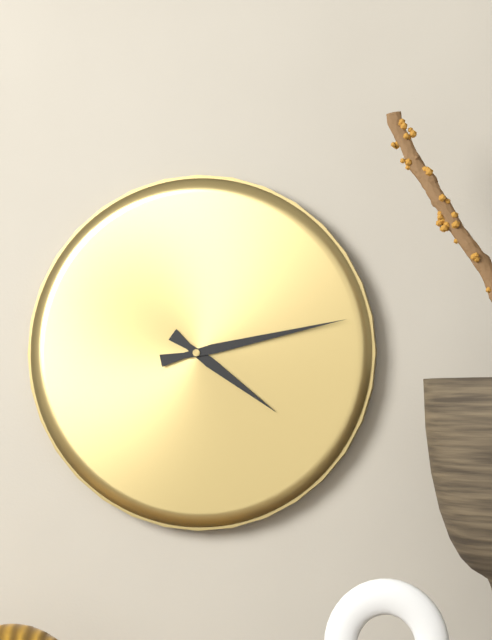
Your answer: **4:13**
